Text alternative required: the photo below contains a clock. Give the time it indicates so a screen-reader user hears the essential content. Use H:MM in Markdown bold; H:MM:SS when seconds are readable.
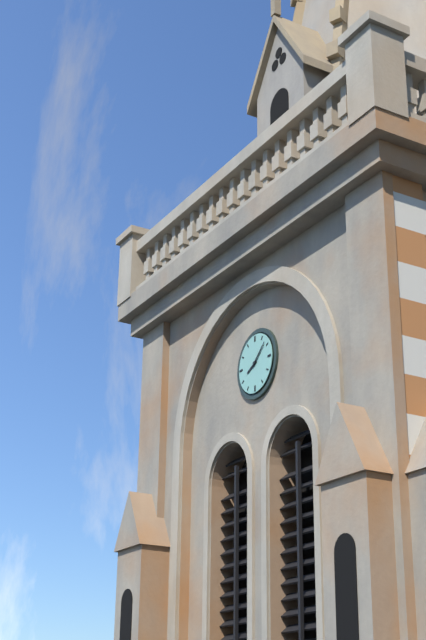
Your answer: **8:08**
